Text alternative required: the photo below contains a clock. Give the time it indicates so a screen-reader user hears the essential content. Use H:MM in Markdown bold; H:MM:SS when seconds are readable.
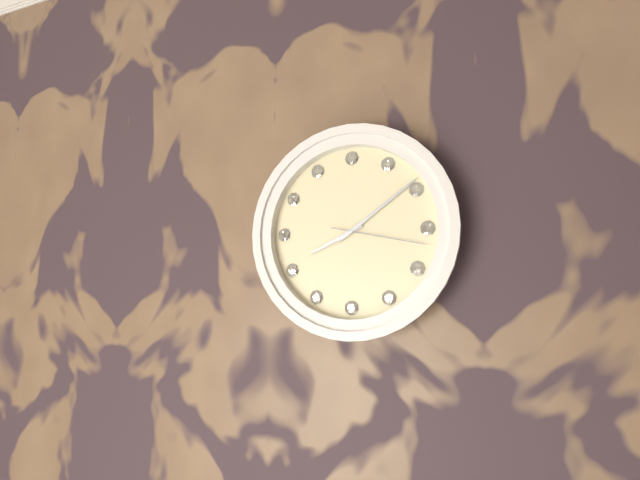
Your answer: **8:09:17**
